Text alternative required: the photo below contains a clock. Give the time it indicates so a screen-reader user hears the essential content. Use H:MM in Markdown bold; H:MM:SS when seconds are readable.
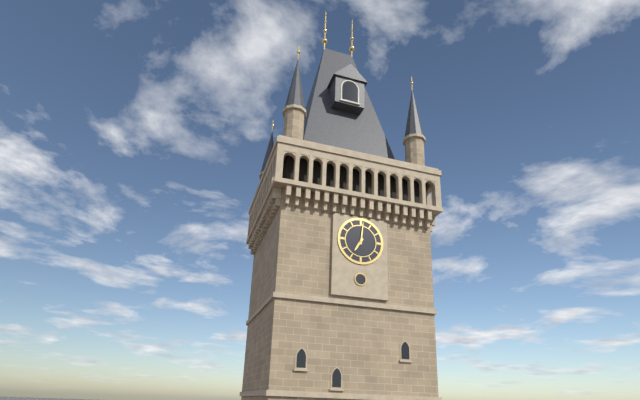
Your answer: **7:01**
